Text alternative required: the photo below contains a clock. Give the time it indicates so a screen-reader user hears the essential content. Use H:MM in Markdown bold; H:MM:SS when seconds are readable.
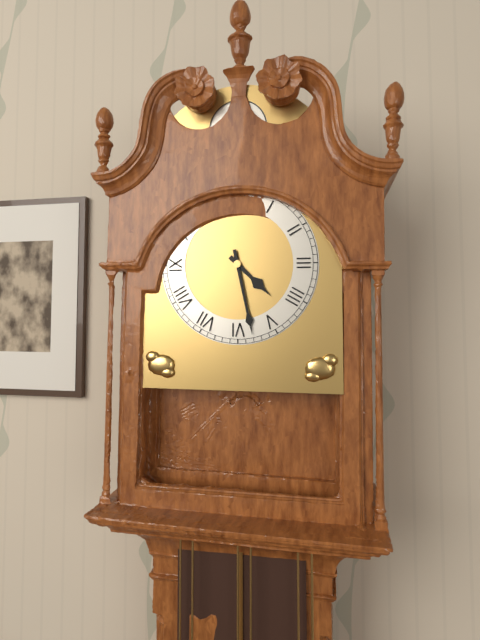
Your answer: **4:28**
